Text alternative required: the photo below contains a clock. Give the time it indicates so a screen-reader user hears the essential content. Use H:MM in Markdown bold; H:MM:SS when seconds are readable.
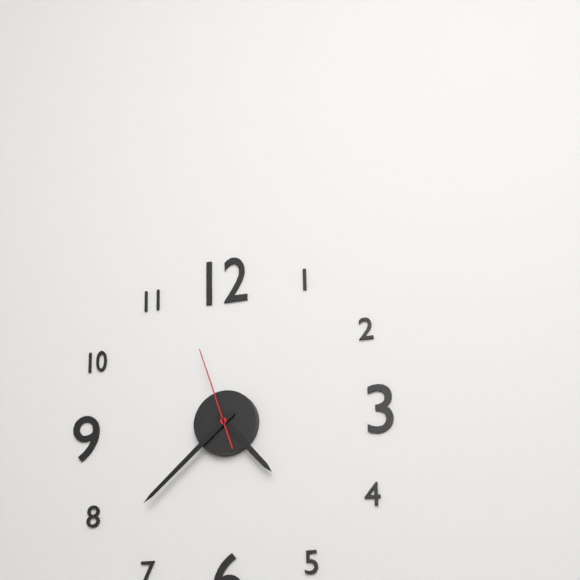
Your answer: **4:38:57**
